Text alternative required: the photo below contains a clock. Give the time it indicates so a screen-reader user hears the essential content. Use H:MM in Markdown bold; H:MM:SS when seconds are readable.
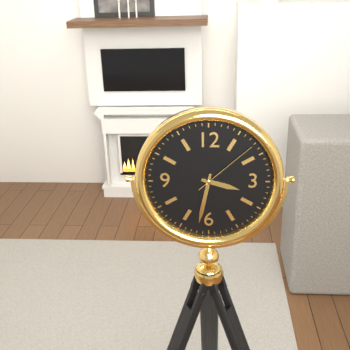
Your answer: **3:32:08**
